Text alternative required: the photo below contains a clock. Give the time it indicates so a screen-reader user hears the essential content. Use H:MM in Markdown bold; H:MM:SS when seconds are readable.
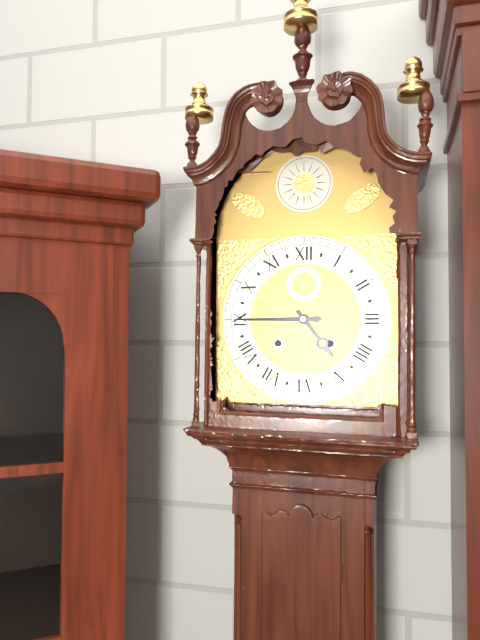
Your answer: **4:45**
